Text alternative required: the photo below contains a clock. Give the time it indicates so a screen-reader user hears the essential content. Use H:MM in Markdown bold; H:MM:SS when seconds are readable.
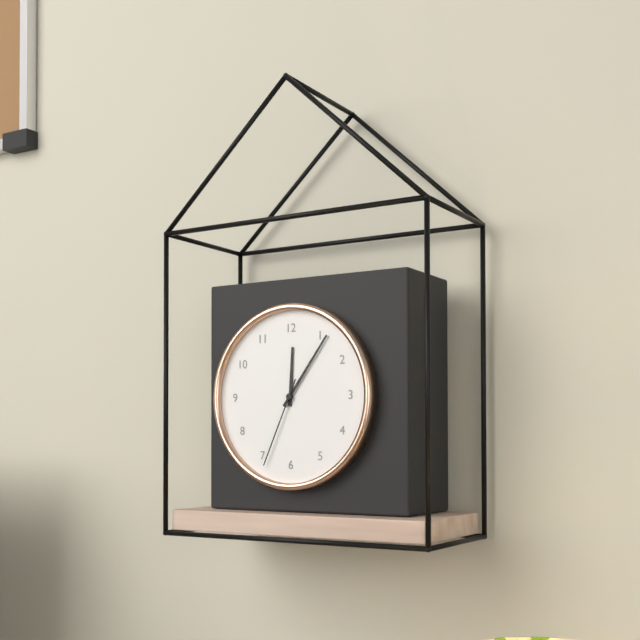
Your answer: **12:06:34**
